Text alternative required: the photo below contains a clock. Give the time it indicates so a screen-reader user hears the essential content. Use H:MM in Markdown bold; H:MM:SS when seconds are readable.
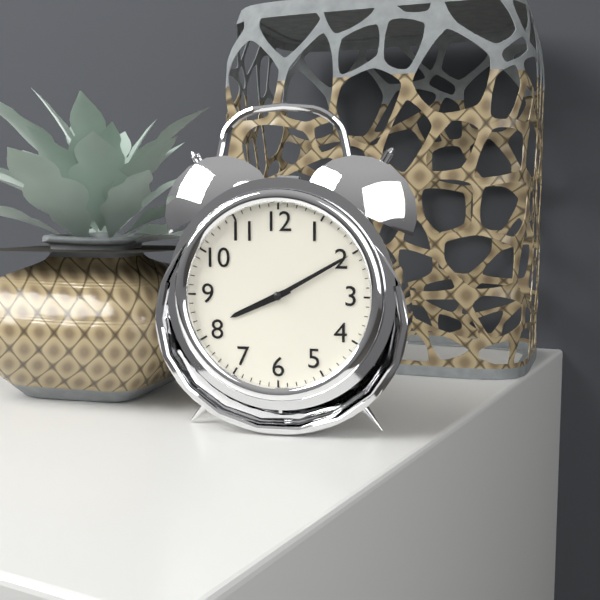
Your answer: **8:10**
